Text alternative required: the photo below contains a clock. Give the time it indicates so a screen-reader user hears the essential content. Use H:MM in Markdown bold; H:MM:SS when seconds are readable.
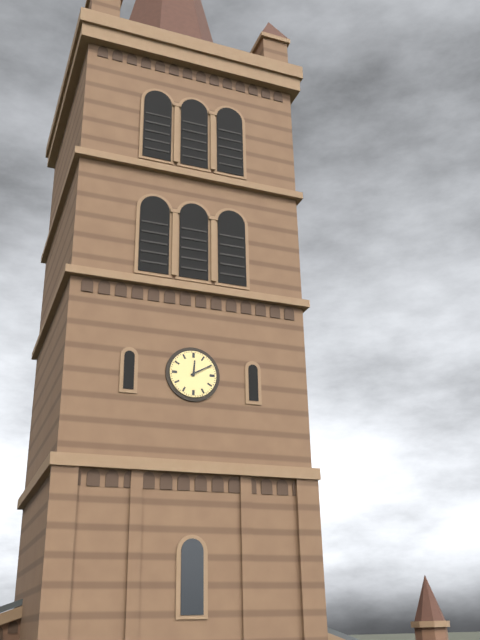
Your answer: **12:10**
